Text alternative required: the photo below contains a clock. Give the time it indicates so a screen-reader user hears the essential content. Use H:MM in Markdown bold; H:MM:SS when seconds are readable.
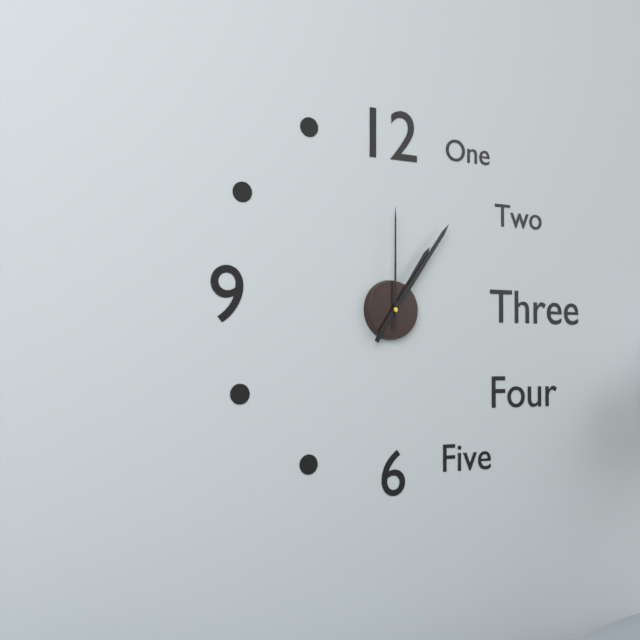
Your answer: **1:06:00**
